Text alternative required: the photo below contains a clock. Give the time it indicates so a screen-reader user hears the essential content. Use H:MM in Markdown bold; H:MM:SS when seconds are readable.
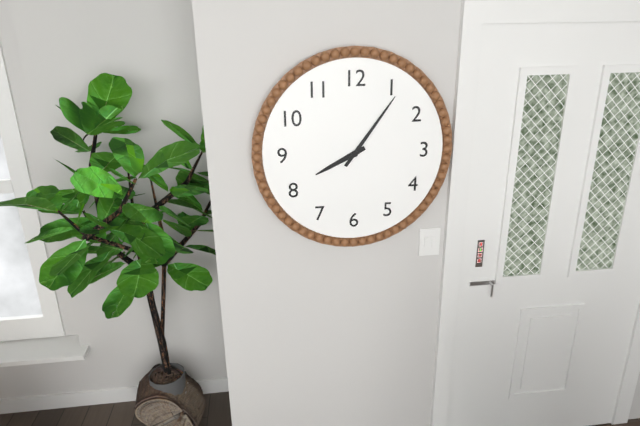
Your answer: **8:06**
